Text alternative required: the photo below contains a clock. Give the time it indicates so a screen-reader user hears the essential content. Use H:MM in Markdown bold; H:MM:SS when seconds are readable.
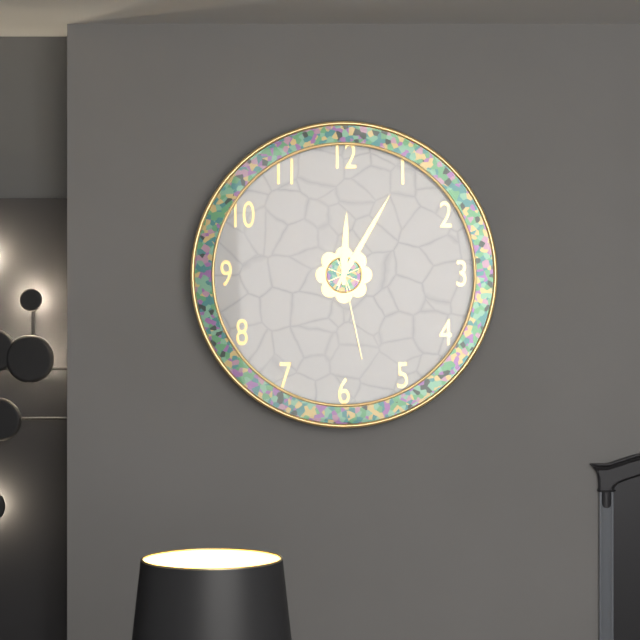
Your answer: **12:05:28**
